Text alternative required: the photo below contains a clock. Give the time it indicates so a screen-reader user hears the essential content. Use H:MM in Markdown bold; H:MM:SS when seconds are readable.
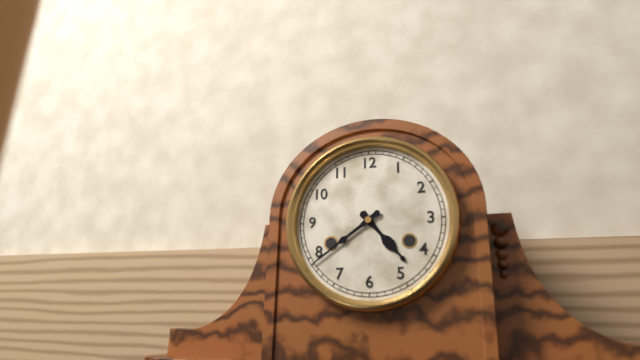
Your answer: **4:39**
